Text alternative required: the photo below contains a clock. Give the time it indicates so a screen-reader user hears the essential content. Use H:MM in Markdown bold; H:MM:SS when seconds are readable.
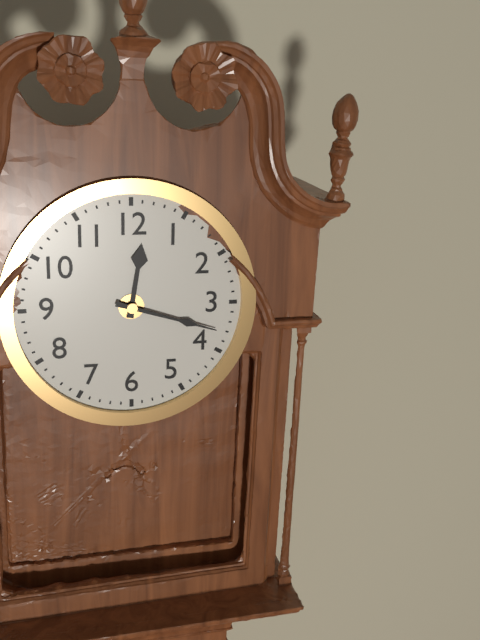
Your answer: **12:18**
